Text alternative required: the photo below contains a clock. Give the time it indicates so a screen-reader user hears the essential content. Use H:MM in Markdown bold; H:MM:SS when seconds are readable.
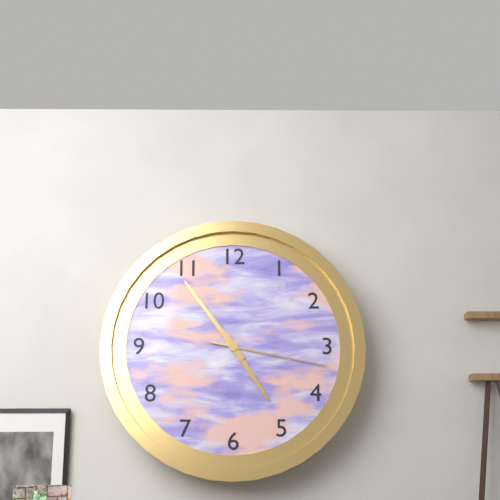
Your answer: **4:54:17**
